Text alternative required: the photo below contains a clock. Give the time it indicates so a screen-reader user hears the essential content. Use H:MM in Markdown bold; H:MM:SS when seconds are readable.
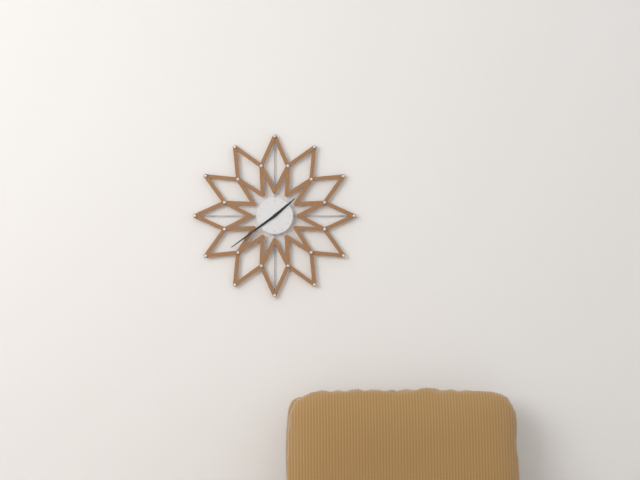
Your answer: **1:39**
